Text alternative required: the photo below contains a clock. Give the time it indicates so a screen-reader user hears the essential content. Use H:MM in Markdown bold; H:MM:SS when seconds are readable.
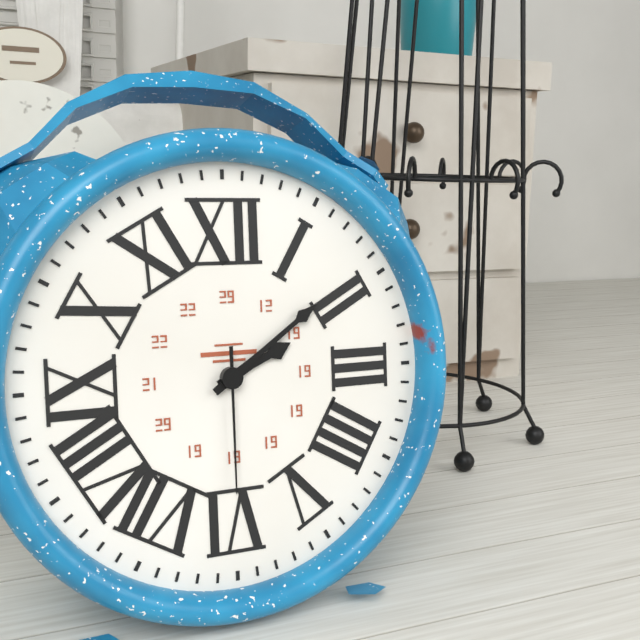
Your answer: **2:09:30**
